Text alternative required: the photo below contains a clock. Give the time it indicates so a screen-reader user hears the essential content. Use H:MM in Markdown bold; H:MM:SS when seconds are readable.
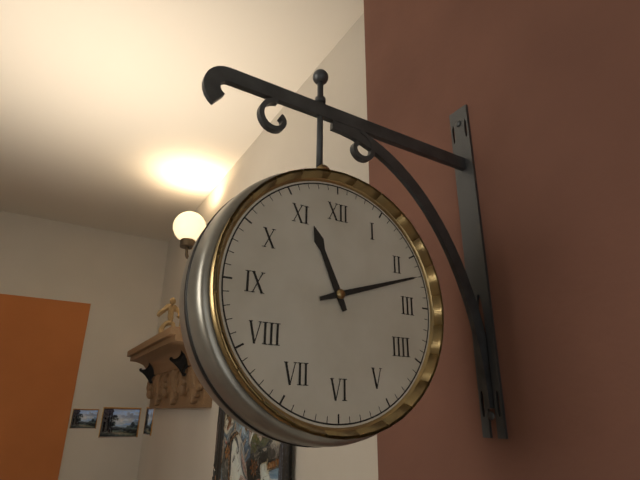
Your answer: **11:12**
